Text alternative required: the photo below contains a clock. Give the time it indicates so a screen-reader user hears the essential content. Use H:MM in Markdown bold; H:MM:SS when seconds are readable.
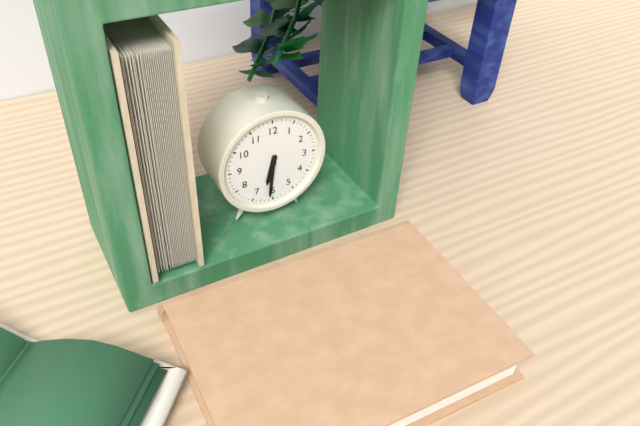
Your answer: **6:31**
